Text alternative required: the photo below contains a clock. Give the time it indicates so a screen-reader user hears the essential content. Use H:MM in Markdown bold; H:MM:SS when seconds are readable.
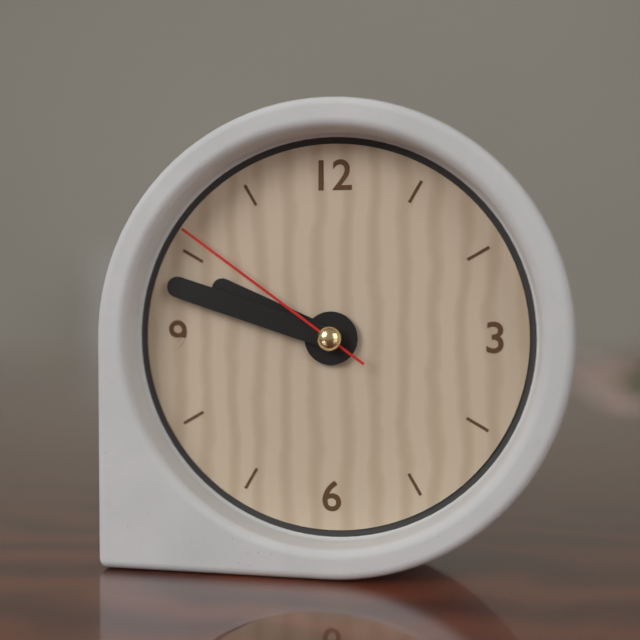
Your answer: **9:48:51**
